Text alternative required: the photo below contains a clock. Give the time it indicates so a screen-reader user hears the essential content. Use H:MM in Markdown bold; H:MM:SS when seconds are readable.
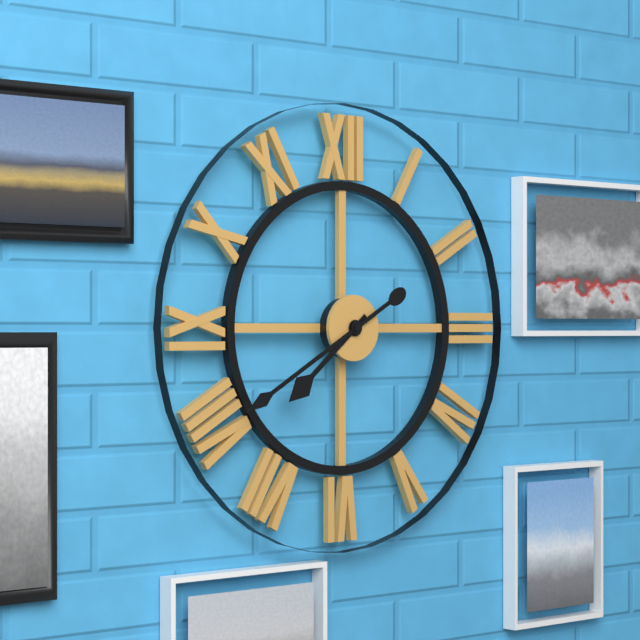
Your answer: **7:40**
